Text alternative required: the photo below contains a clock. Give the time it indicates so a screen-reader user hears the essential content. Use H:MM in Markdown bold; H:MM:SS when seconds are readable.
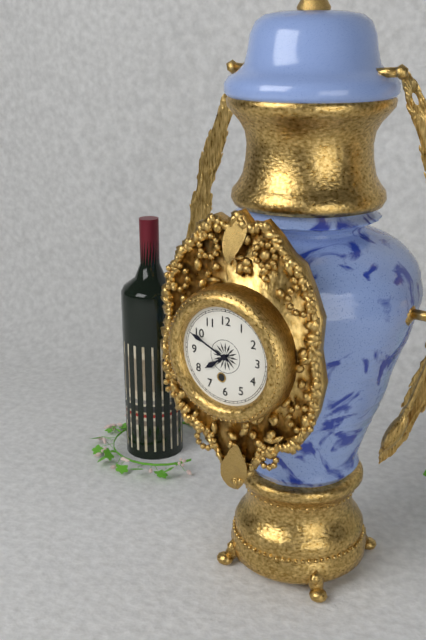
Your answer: **7:49**
